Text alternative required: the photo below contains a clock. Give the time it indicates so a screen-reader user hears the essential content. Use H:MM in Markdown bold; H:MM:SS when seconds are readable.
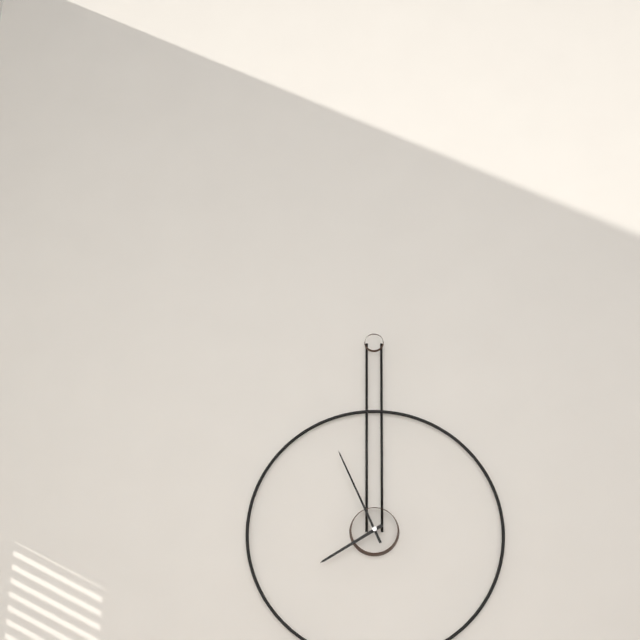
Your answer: **7:56**
